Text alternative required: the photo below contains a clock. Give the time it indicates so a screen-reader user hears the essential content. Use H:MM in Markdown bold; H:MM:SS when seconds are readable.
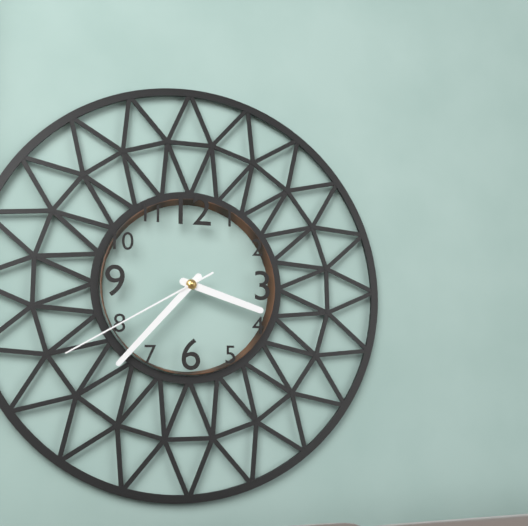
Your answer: **3:37:40**
